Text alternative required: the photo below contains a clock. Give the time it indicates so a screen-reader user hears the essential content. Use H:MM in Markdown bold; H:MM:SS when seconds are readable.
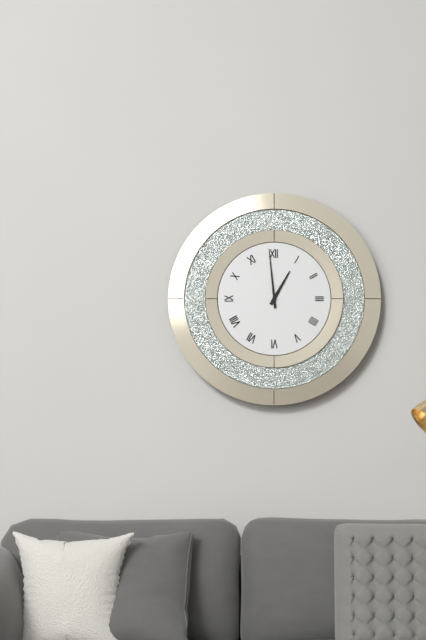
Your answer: **12:59**
